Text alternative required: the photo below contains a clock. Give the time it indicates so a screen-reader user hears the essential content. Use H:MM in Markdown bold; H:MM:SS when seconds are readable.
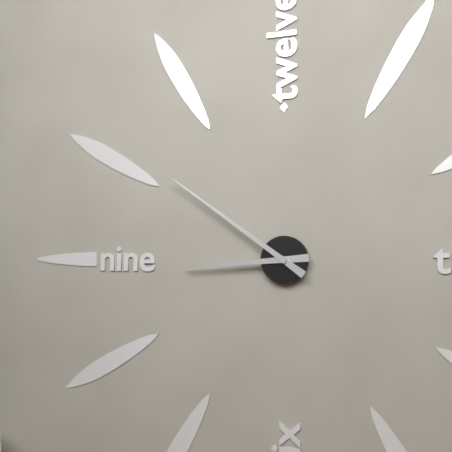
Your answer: **8:51**
